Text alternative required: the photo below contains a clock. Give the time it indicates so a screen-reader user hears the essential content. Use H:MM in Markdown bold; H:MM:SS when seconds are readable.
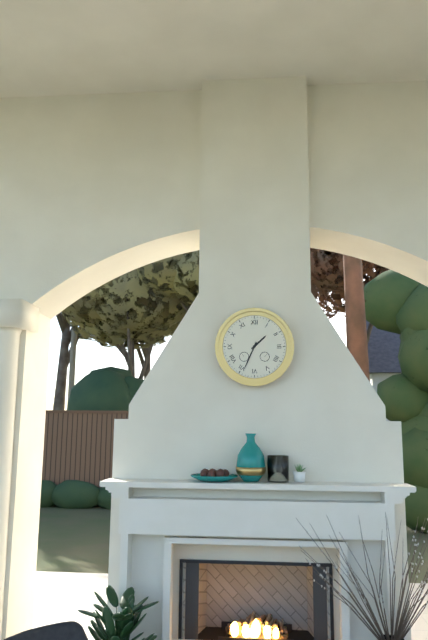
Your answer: **1:34**
